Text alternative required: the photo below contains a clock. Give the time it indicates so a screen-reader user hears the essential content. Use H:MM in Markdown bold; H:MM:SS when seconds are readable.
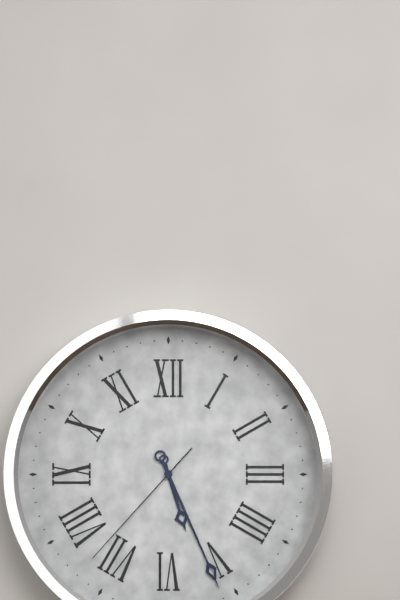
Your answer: **5:26:37**
